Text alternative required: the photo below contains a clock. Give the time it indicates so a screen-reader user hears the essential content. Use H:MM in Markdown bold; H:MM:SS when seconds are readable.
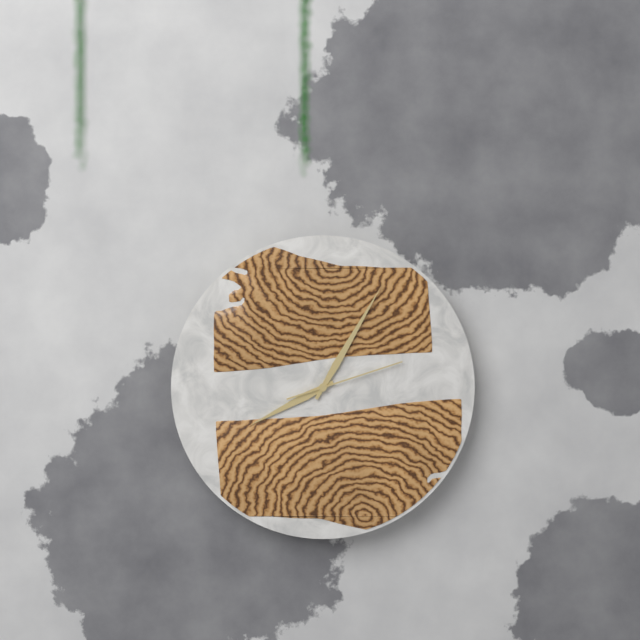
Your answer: **8:05:12**
